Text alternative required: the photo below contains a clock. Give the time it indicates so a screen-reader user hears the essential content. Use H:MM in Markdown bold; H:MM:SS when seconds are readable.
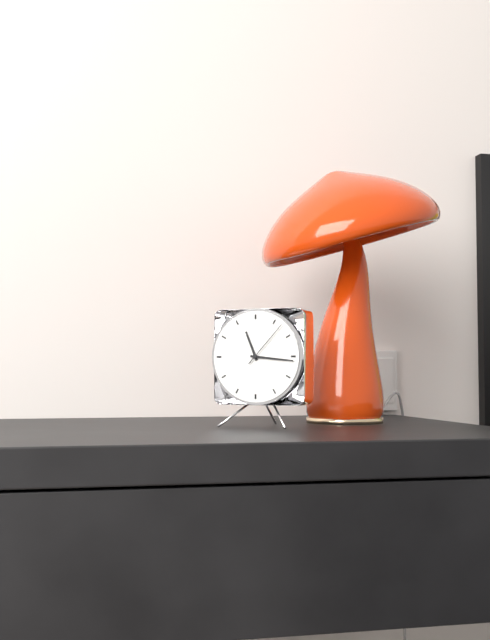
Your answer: **11:16**
